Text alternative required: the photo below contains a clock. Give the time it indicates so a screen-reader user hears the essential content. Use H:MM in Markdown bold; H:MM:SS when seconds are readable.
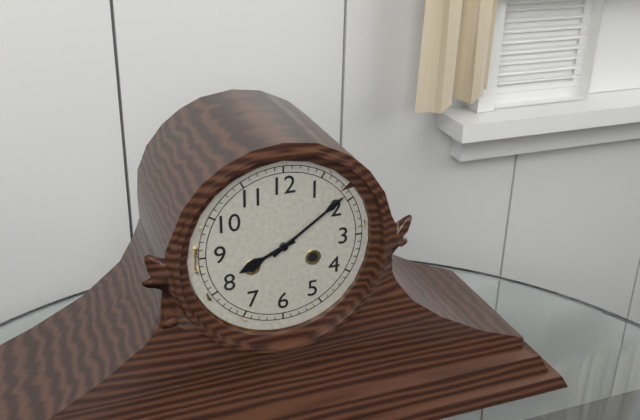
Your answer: **8:09**
